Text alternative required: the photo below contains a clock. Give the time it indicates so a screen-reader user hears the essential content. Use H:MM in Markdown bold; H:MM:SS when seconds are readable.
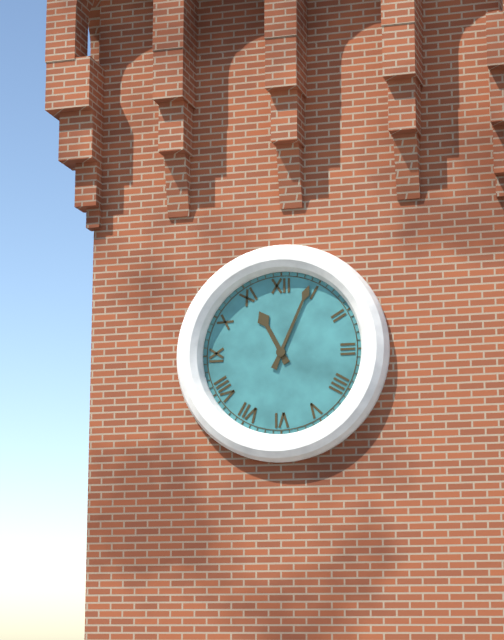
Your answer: **11:04**
